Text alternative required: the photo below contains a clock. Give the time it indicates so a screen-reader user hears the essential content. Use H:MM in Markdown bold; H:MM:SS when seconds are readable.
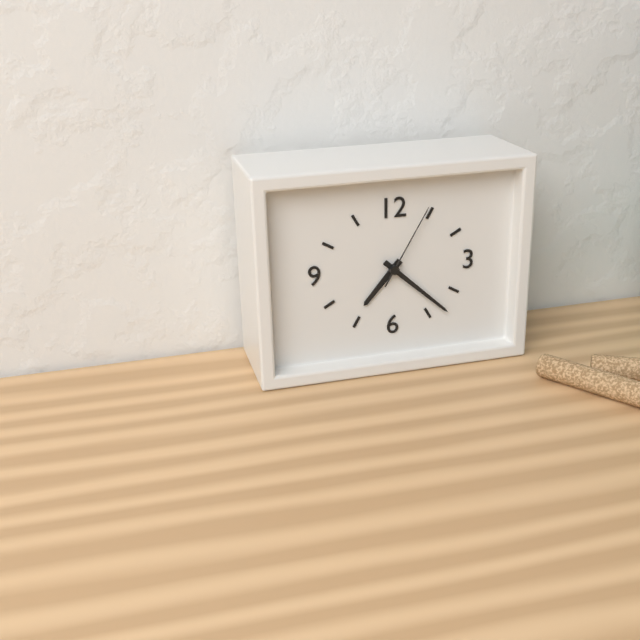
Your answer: **7:22:05**
